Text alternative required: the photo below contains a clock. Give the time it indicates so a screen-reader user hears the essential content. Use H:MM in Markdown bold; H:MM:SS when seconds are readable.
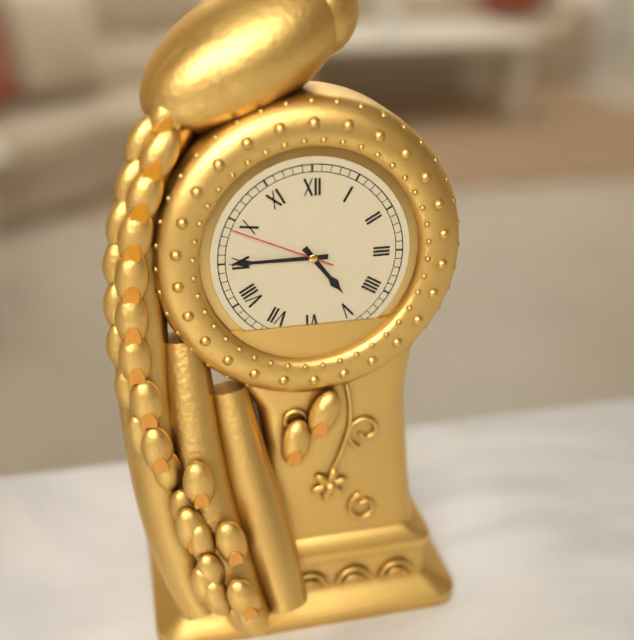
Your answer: **4:45:49**
